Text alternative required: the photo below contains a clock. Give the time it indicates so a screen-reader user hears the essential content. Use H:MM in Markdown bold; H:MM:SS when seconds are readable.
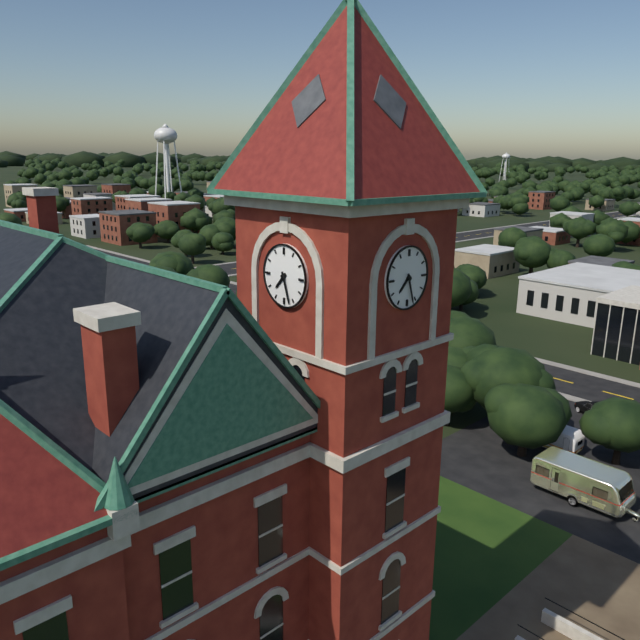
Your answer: **7:27**
